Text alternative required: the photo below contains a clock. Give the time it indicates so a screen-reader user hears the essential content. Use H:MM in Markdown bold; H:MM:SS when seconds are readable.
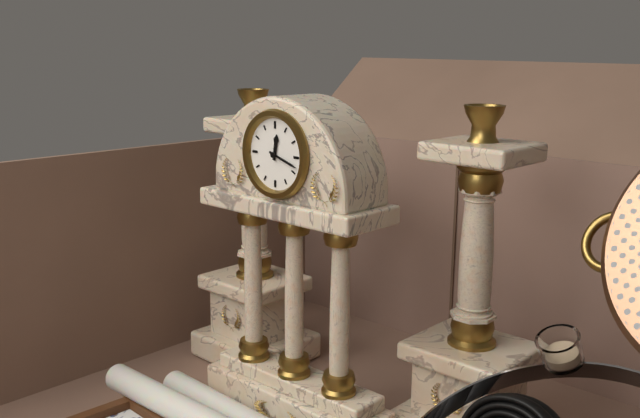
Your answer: **12:18**
